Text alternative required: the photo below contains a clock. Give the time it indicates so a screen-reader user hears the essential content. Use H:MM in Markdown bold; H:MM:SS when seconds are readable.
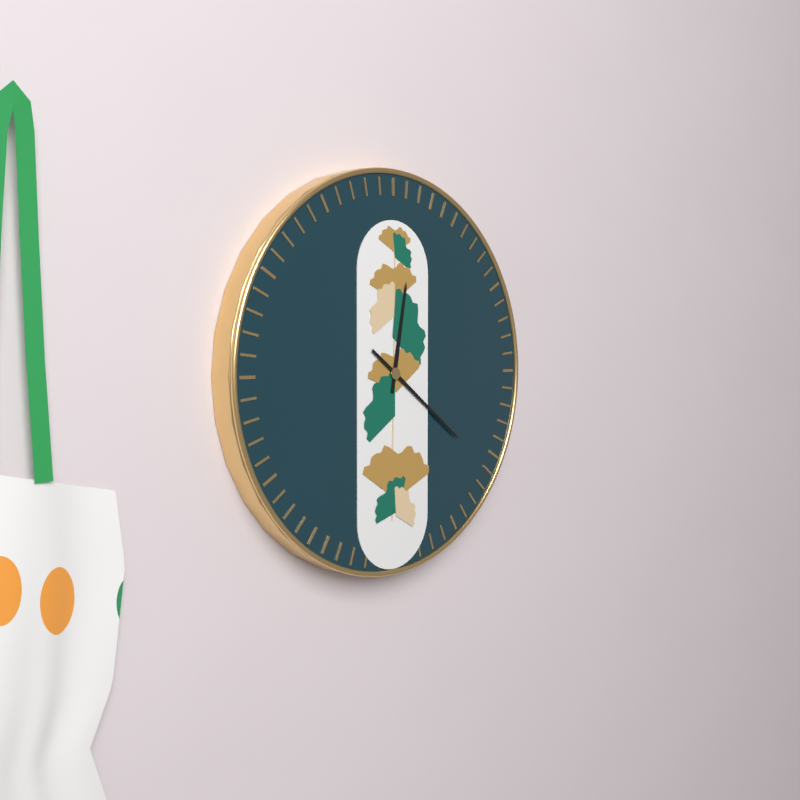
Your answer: **12:21**
